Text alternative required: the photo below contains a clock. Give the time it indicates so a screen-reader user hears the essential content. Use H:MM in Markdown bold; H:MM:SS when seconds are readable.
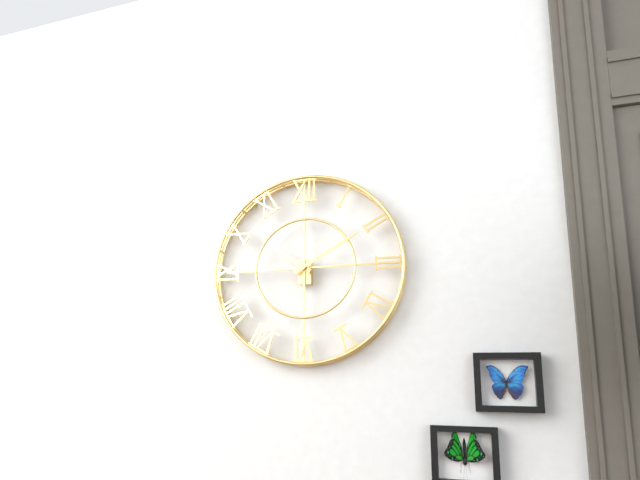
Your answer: **10:10**
